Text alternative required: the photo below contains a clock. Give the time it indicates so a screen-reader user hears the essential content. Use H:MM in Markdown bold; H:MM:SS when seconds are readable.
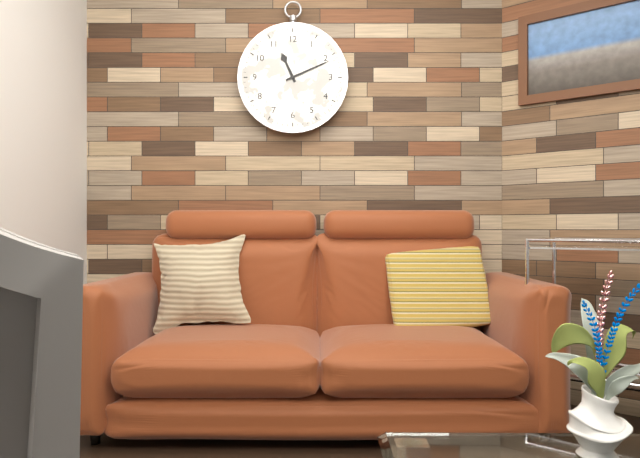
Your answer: **11:11**
